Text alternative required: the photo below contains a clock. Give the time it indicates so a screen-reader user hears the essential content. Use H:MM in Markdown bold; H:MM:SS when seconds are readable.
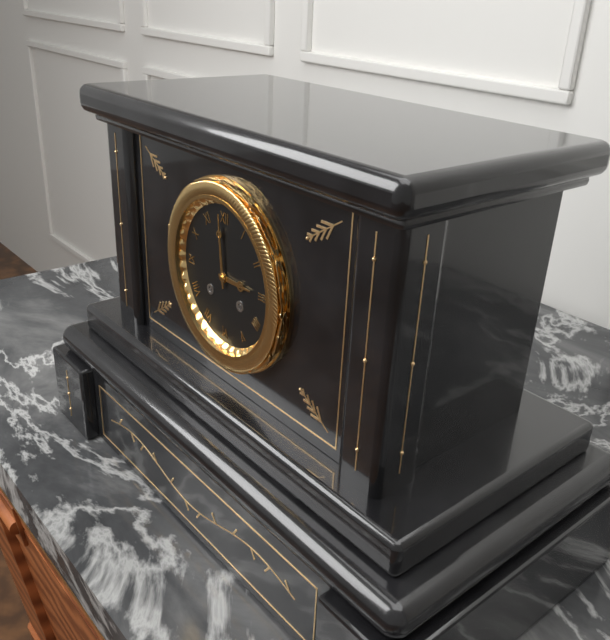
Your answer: **2:59**
